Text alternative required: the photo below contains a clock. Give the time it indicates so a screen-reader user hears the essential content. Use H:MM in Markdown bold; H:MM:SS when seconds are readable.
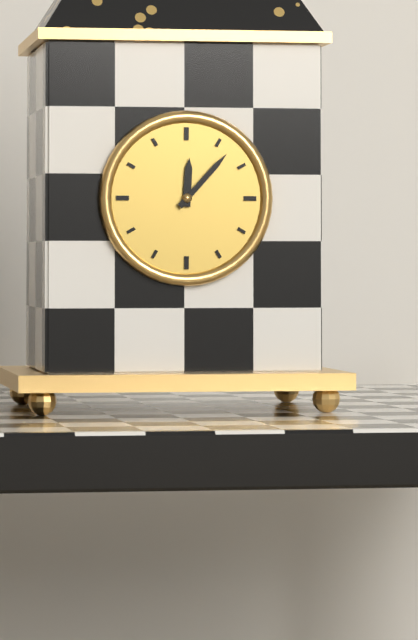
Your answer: **12:07**
